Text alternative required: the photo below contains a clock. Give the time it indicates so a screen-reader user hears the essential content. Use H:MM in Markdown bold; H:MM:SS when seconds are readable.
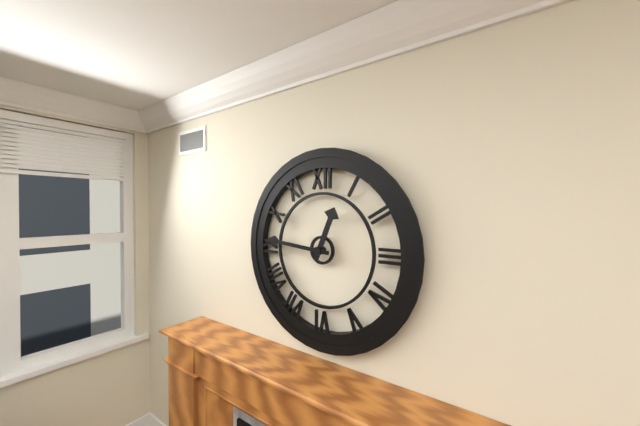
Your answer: **12:46**
